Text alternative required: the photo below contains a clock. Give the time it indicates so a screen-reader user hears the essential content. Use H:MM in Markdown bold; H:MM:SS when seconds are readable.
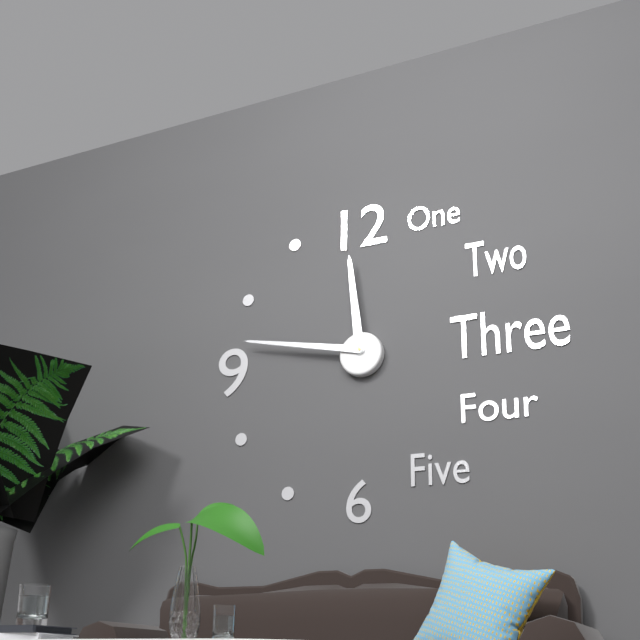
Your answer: **11:47**
